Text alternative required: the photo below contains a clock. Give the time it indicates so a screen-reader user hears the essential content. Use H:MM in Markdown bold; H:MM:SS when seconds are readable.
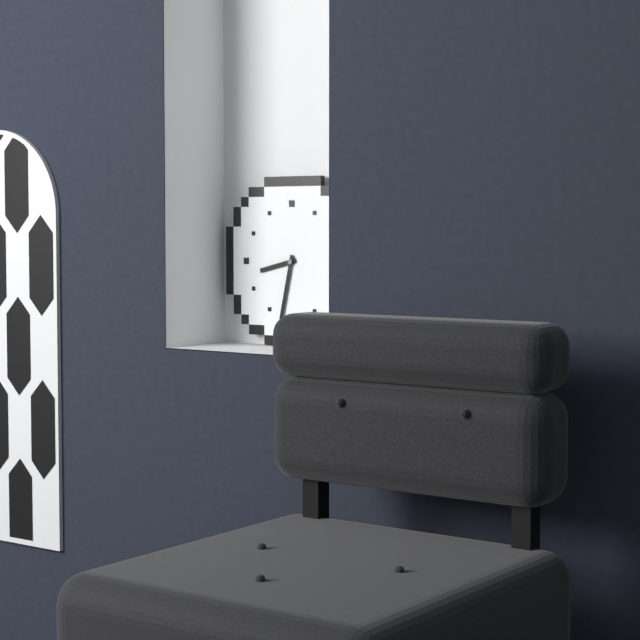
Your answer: **8:32**
